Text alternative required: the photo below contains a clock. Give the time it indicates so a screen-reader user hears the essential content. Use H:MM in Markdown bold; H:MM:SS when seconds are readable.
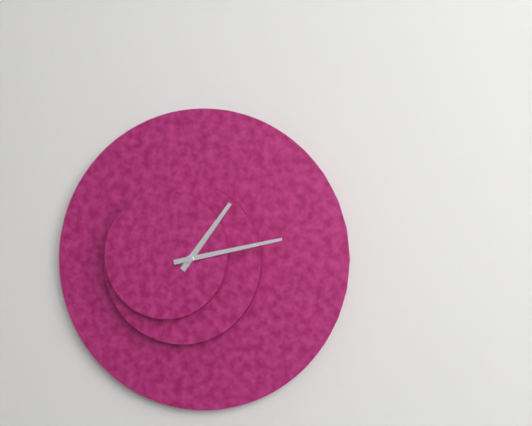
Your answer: **1:13**
